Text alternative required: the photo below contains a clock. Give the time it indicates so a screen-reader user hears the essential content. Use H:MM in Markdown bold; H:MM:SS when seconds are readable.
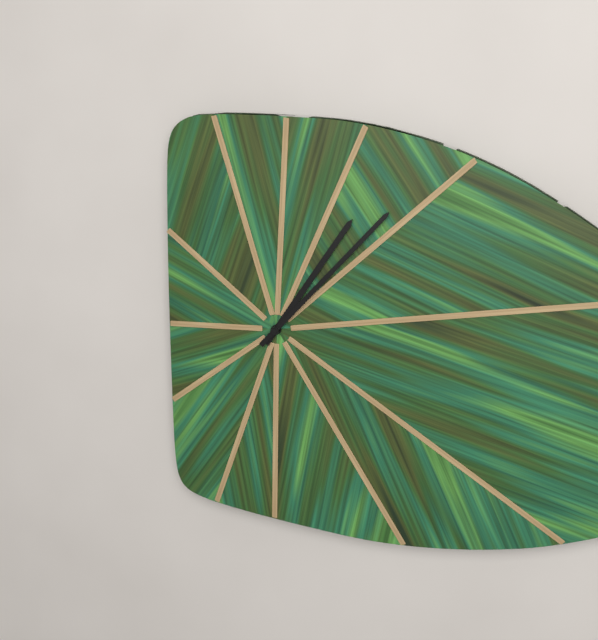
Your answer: **1:07**
